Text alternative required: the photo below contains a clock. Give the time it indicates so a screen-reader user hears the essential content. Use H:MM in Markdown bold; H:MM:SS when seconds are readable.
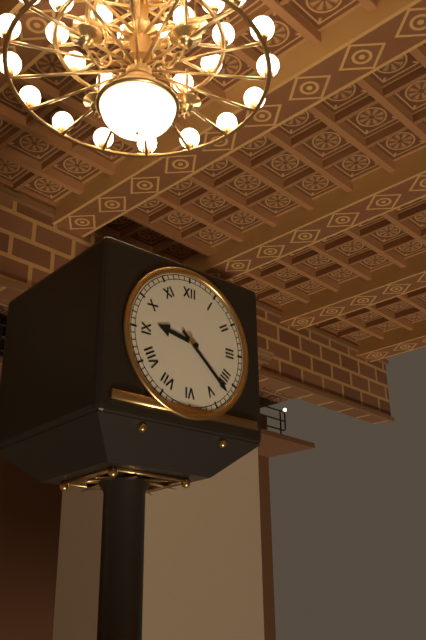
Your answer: **9:22**
